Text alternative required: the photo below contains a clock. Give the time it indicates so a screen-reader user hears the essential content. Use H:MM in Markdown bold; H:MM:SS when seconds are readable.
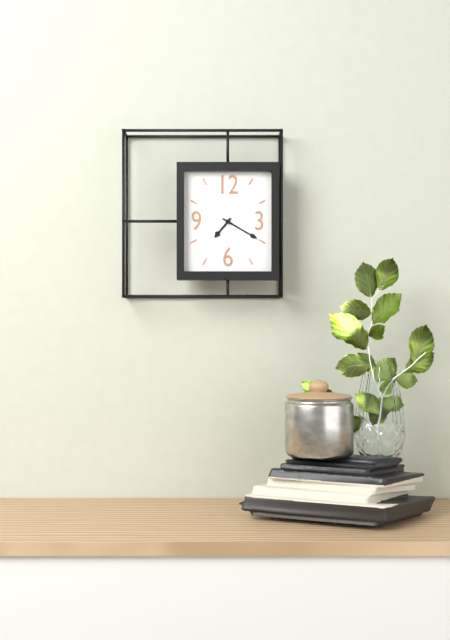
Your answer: **7:20**
